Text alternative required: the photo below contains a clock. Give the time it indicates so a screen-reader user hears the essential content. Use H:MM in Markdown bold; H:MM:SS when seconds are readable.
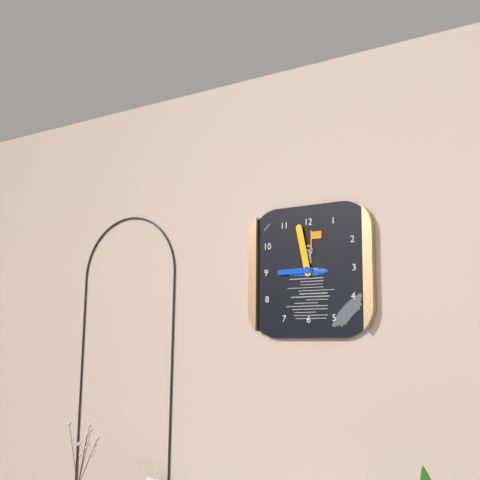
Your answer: **8:58**
